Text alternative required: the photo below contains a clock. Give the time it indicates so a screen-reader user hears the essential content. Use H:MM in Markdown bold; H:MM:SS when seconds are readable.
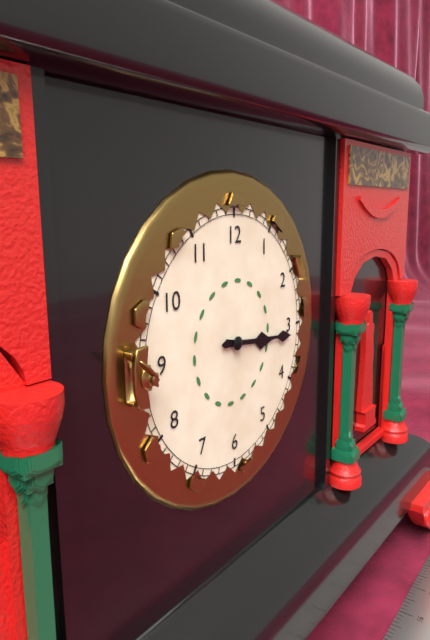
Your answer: **3:16**
